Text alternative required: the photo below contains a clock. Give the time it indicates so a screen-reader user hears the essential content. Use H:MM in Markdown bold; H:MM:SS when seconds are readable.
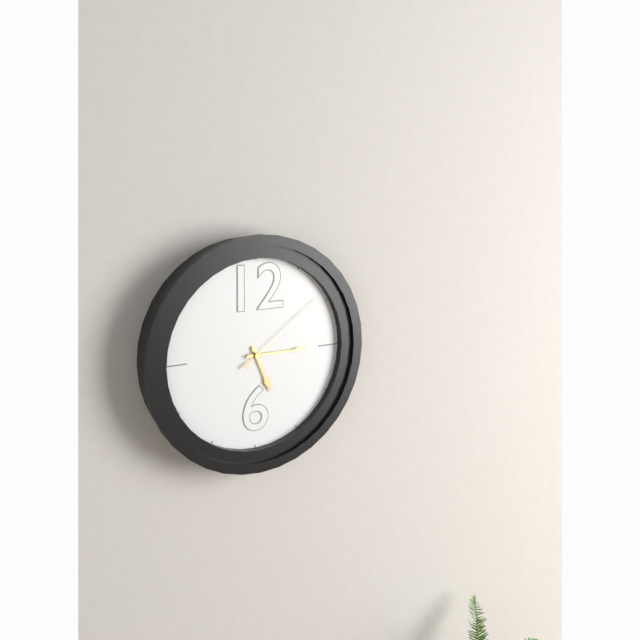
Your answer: **5:15:09**
